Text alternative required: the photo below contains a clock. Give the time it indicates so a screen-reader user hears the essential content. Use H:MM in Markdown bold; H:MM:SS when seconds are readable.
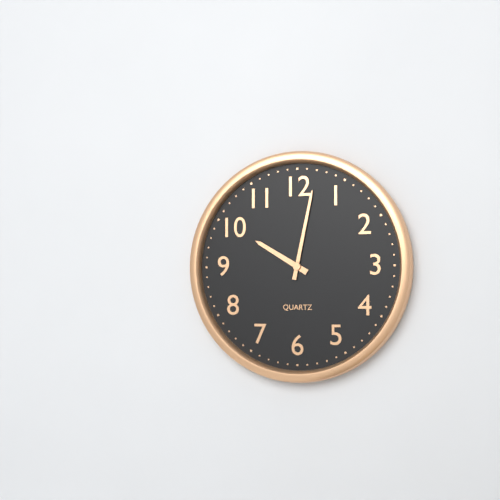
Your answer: **10:02**
